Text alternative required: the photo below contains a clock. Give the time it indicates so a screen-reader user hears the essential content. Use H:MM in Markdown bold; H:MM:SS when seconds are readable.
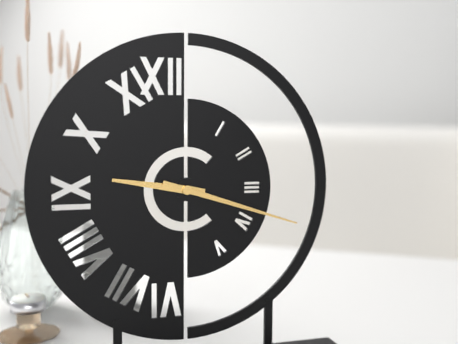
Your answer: **9:18**
